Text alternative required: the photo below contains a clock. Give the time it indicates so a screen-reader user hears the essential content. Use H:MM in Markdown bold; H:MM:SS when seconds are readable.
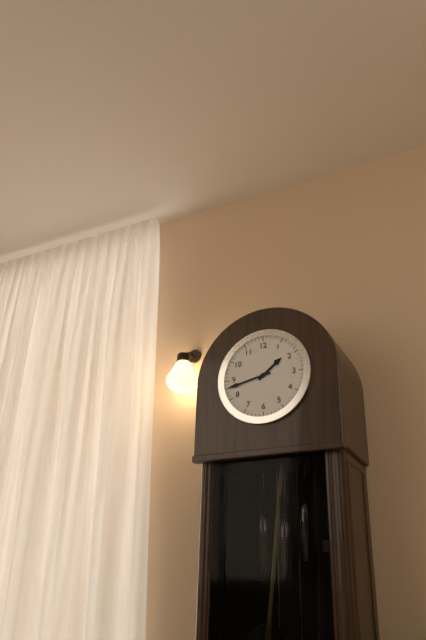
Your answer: **1:43**
